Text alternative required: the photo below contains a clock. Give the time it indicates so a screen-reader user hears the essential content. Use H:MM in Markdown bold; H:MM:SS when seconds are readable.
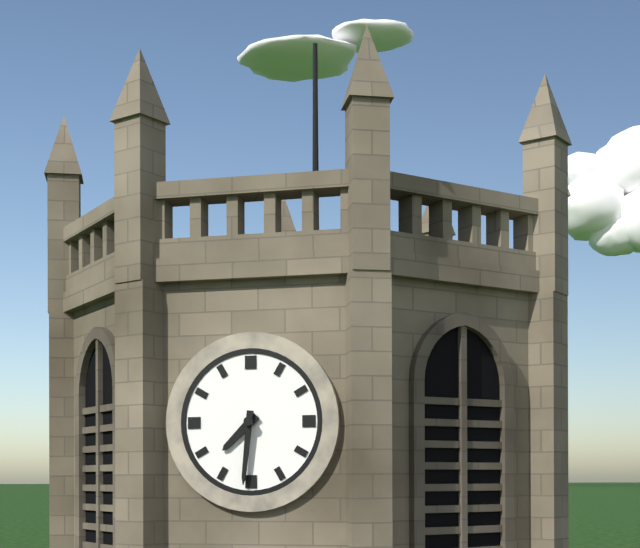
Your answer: **7:31**
